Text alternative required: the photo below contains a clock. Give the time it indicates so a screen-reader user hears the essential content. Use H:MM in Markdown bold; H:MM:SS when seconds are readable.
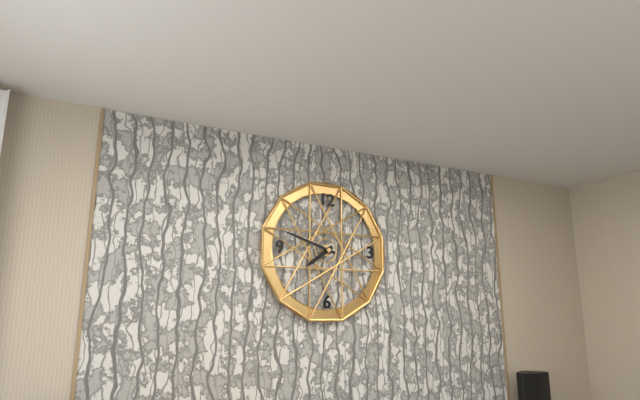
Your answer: **7:48**
